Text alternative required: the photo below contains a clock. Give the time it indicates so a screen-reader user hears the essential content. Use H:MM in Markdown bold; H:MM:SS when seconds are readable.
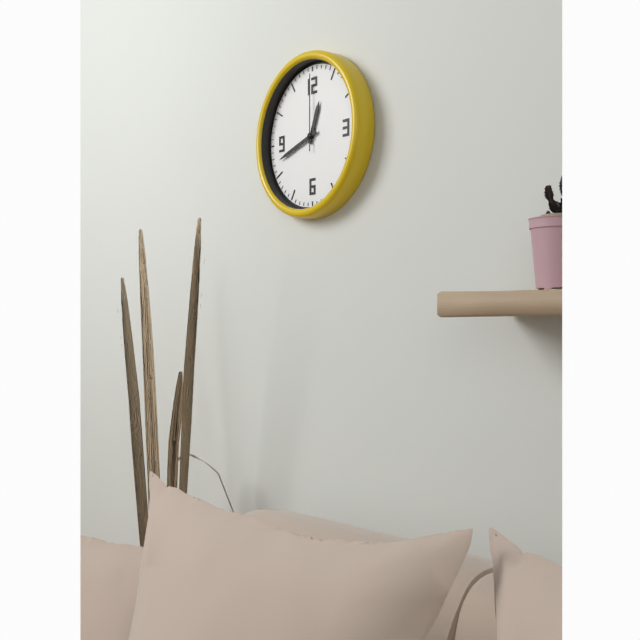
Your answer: **12:42:00**
